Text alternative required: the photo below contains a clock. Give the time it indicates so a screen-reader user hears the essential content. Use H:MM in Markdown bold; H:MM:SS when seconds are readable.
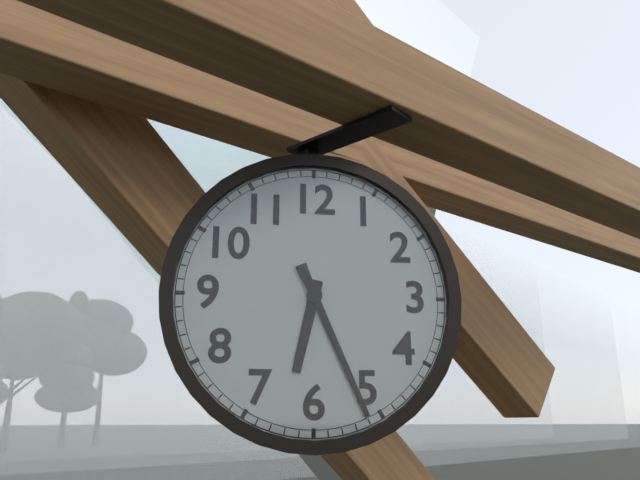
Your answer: **6:26**
